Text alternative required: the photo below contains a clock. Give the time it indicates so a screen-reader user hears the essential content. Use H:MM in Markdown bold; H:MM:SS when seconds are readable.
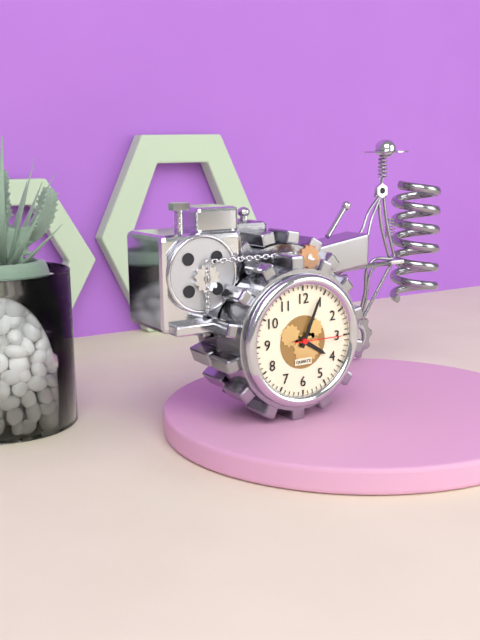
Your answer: **4:04:15**
